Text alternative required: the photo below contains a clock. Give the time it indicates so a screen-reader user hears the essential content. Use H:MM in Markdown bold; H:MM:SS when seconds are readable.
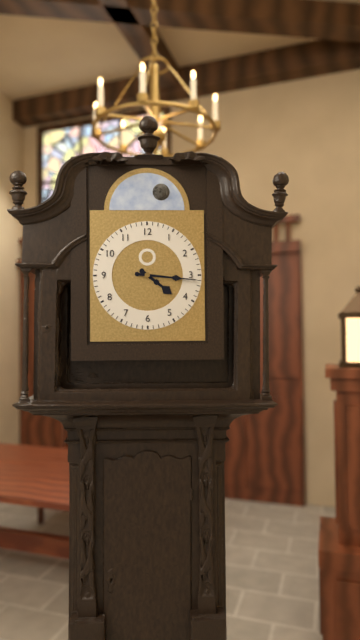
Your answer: **4:16**
